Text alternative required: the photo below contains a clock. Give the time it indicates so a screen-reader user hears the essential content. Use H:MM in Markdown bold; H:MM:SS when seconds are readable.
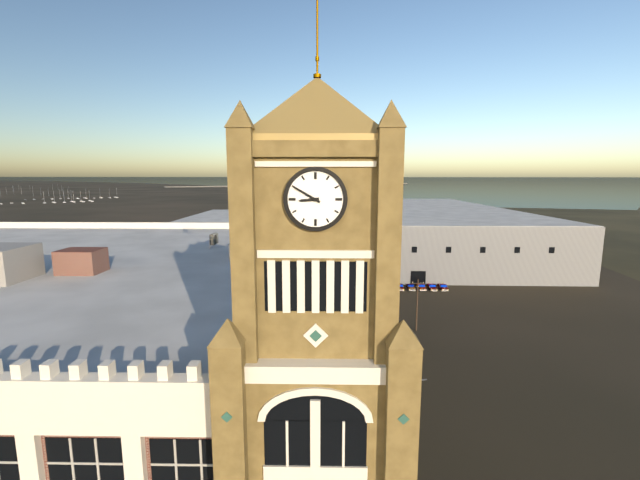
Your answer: **8:50**
